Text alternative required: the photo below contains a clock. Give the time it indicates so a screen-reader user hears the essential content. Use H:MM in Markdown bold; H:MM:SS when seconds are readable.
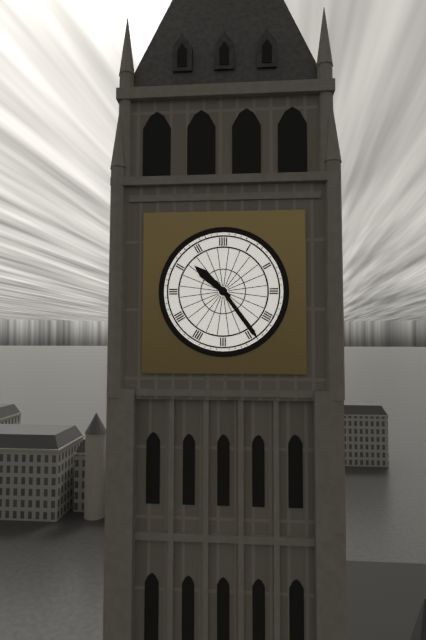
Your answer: **10:24**
